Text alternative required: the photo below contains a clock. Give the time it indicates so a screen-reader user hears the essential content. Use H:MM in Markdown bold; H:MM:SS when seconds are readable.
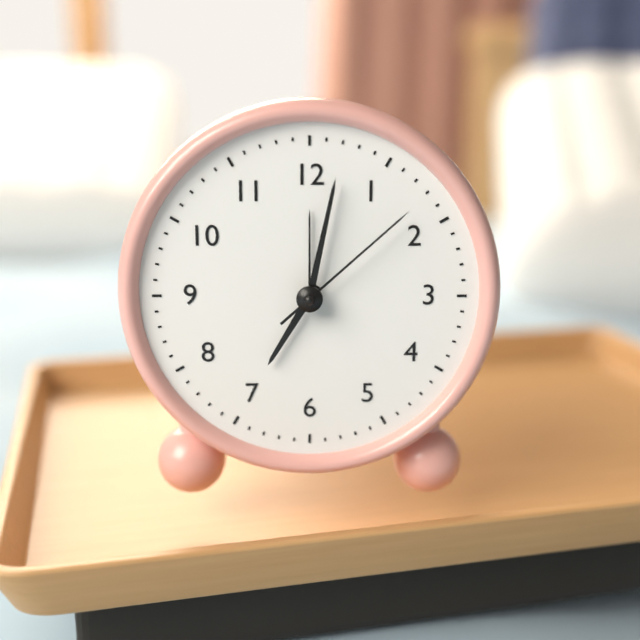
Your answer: **7:02:08**
